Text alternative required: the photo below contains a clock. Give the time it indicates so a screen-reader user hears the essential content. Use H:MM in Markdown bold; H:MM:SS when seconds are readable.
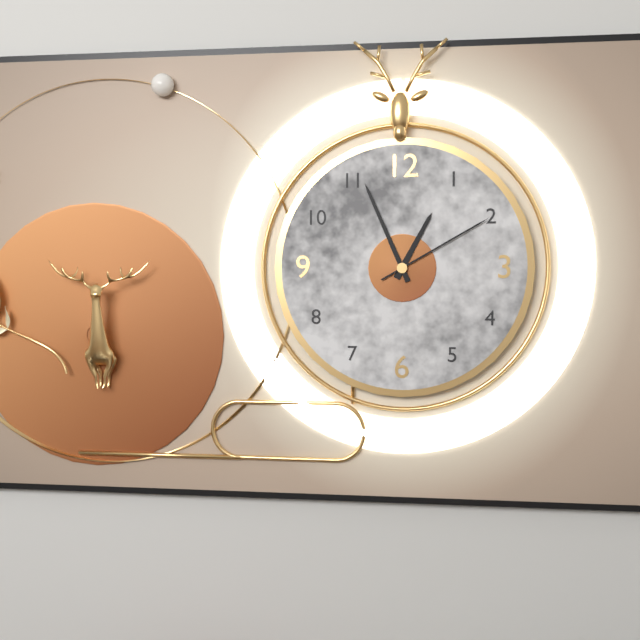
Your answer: **12:56:10**
